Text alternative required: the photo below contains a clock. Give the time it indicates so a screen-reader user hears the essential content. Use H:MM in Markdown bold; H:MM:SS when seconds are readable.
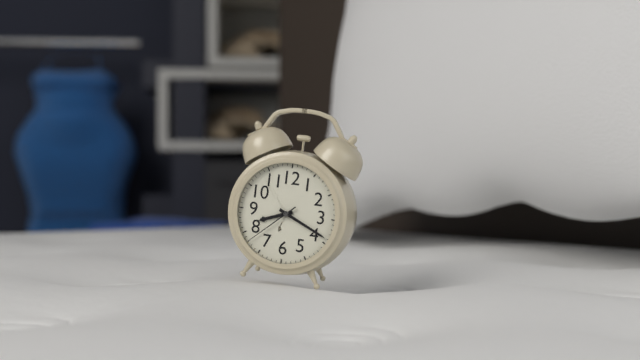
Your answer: **8:19:38**
